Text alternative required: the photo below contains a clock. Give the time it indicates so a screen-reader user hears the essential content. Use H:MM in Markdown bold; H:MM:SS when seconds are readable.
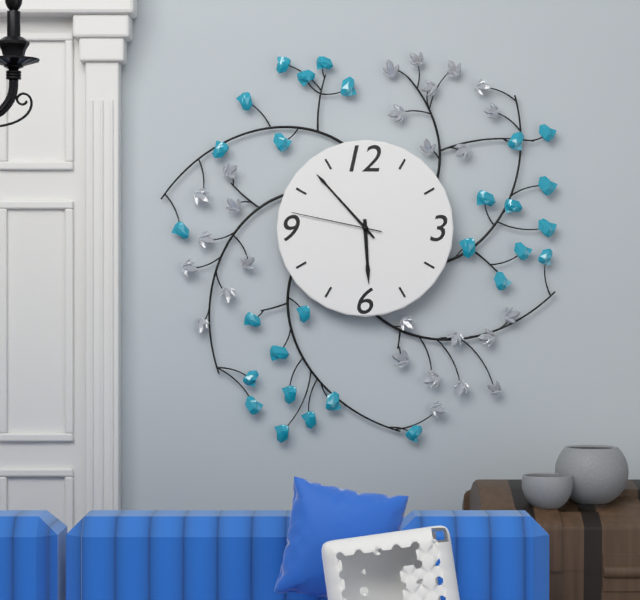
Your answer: **5:53:47**
